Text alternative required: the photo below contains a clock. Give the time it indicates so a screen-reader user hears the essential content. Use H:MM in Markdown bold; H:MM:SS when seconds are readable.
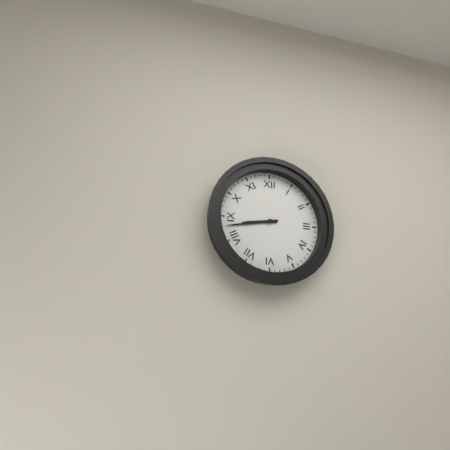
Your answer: **8:43**
